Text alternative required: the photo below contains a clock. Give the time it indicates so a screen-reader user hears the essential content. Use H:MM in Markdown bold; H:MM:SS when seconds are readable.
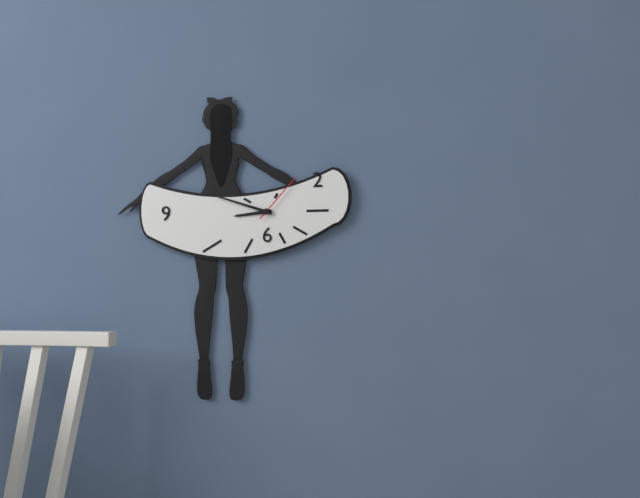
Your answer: **8:48:07**
